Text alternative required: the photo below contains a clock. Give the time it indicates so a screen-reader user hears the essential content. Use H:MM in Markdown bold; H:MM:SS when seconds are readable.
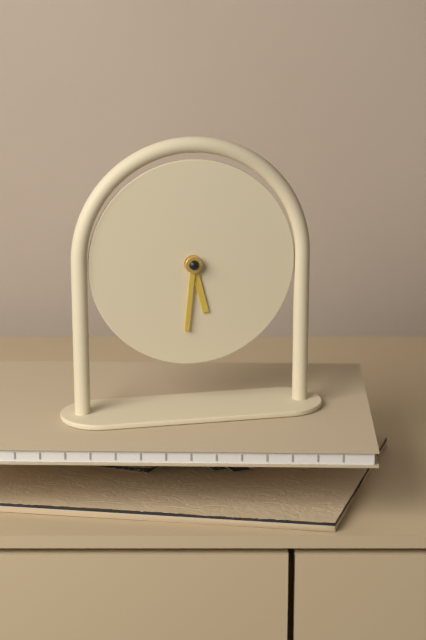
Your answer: **5:31**
